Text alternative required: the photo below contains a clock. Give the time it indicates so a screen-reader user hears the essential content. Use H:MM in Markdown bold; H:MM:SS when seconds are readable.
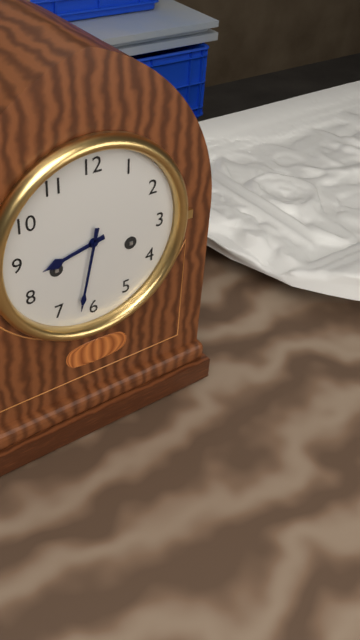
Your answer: **8:32**
